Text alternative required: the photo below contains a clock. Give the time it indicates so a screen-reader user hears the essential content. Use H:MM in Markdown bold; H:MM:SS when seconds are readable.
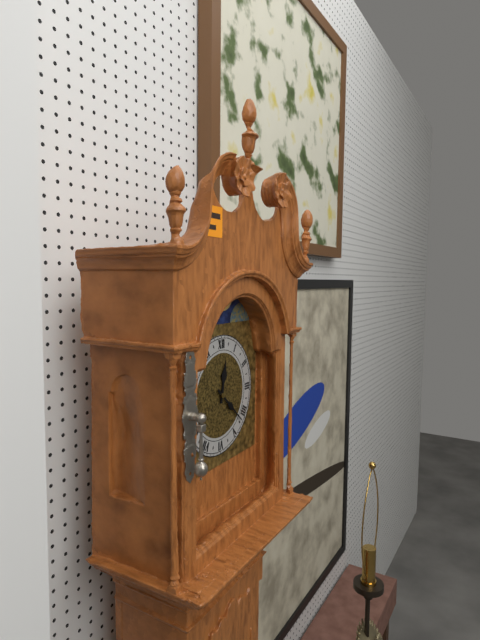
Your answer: **12:22**
